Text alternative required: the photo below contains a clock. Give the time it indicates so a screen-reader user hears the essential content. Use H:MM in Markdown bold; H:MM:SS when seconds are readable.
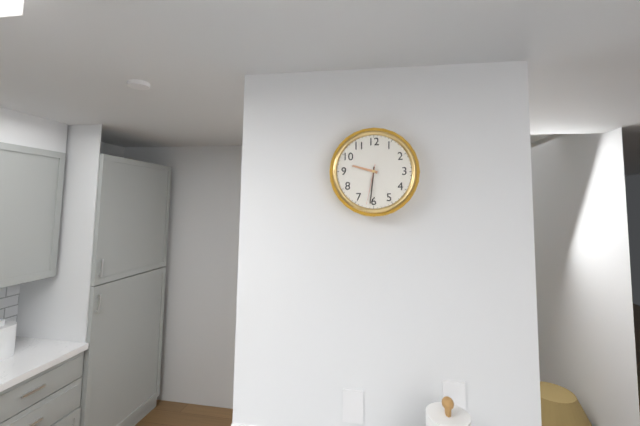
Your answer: **9:31**
